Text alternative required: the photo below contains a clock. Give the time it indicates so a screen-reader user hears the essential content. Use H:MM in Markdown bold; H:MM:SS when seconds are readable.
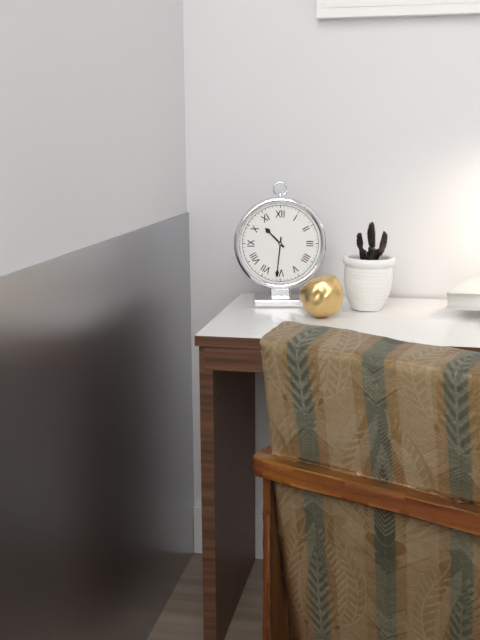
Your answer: **10:31**
